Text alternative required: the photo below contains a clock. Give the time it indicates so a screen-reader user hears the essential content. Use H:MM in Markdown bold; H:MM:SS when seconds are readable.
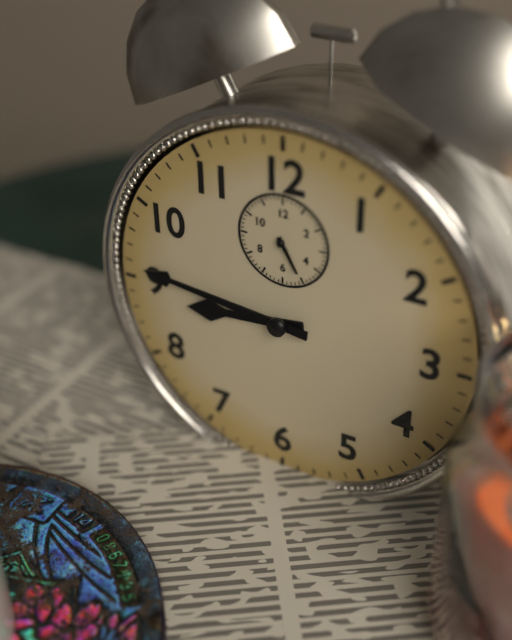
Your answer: **8:46**
